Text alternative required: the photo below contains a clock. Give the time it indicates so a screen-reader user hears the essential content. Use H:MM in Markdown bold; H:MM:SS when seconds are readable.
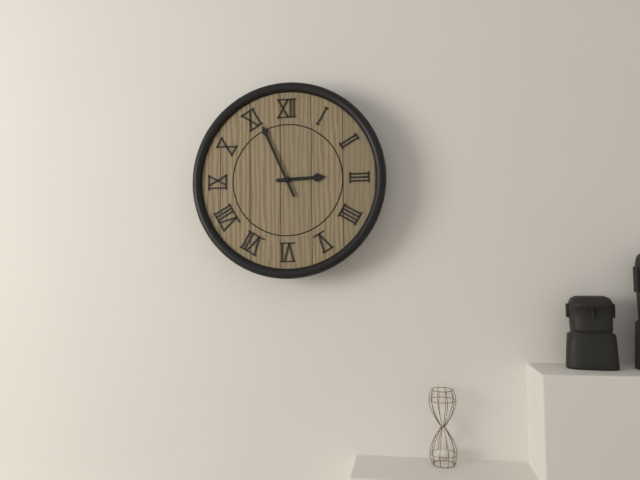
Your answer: **2:56**
